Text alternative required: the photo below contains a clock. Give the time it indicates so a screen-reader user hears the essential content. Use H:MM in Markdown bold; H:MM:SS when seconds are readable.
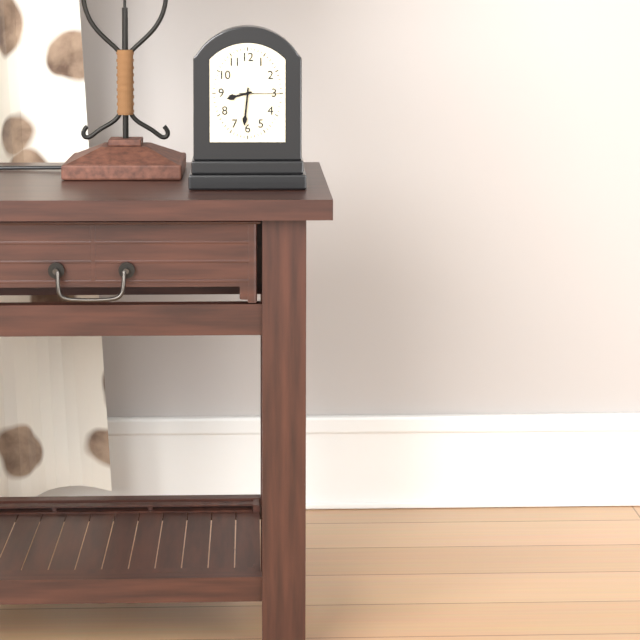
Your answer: **8:31**
